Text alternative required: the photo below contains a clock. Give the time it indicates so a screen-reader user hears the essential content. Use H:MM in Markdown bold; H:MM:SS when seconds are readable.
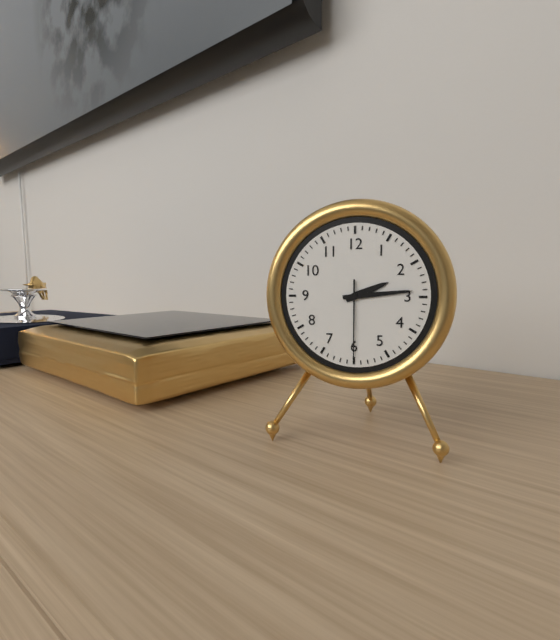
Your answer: **2:14:30**
